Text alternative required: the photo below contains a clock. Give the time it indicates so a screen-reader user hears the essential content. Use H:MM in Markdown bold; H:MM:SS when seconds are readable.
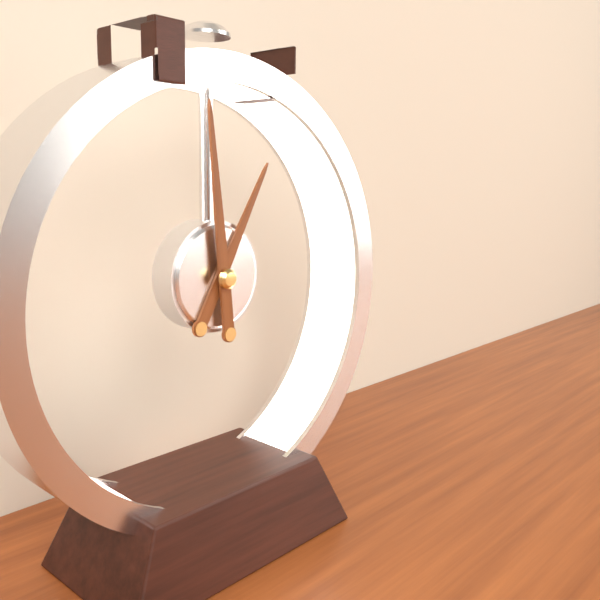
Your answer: **12:59**
